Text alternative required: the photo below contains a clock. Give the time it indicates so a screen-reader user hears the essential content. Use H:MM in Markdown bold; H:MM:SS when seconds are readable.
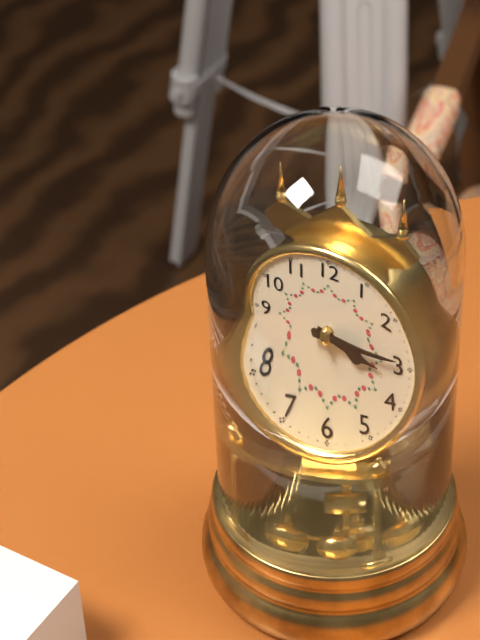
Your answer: **3:14**
